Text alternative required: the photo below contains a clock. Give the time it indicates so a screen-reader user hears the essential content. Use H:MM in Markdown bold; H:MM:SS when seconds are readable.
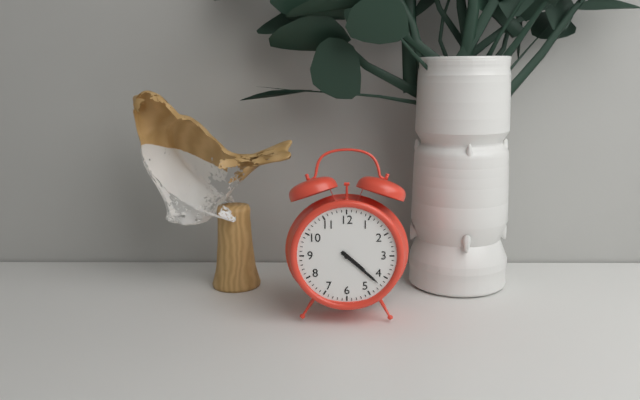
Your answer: **4:22**
